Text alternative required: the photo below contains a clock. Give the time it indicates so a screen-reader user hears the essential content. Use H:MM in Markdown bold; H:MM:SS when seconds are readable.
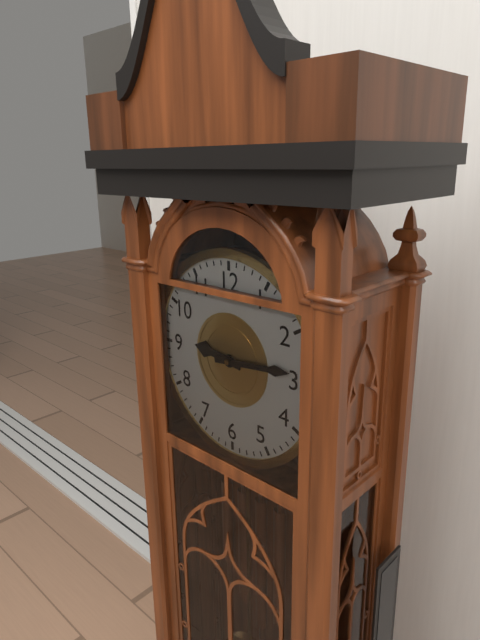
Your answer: **9:14**
